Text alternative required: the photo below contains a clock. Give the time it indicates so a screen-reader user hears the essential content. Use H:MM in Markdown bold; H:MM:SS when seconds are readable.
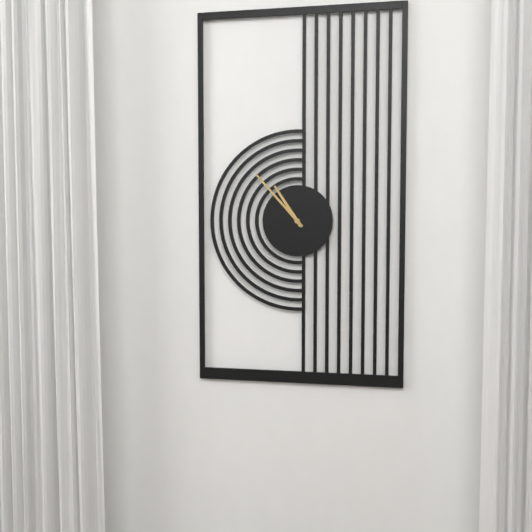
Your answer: **10:53**
